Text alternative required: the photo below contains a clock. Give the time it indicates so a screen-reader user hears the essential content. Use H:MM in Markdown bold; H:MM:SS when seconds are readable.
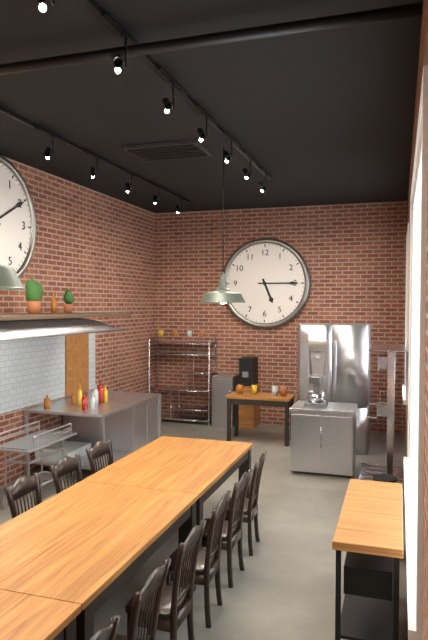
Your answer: **5:15**
